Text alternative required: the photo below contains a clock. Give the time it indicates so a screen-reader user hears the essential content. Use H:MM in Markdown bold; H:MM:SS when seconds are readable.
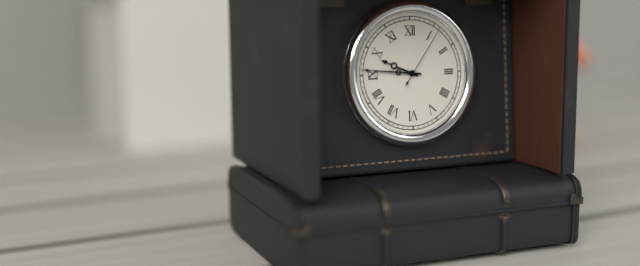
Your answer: **9:46:06**
